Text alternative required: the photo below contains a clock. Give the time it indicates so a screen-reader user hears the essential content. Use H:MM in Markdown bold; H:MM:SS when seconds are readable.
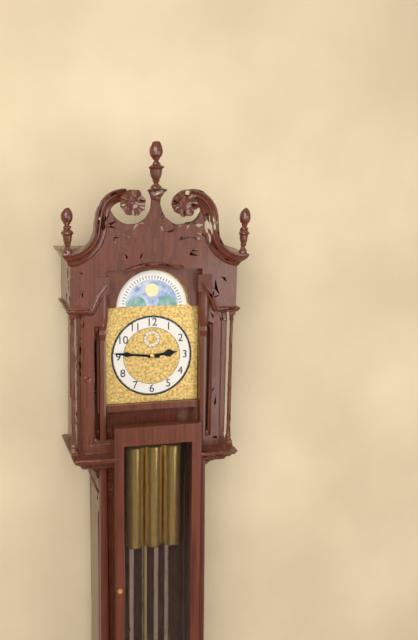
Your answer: **2:46**
